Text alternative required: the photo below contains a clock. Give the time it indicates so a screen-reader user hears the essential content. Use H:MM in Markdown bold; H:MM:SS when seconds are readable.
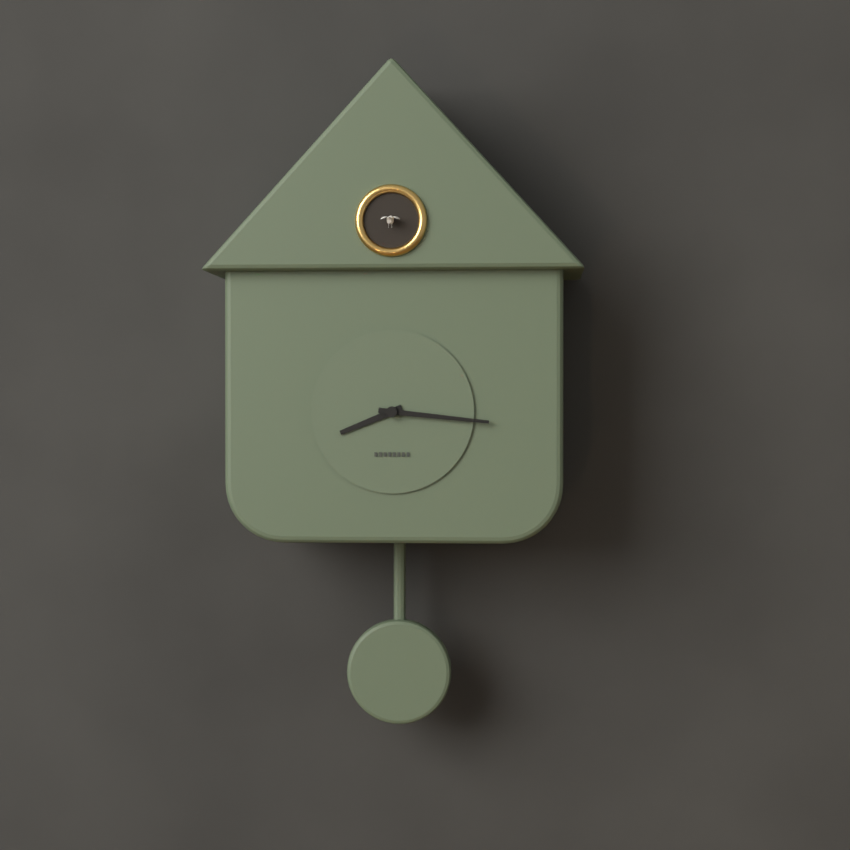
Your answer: **8:16**
